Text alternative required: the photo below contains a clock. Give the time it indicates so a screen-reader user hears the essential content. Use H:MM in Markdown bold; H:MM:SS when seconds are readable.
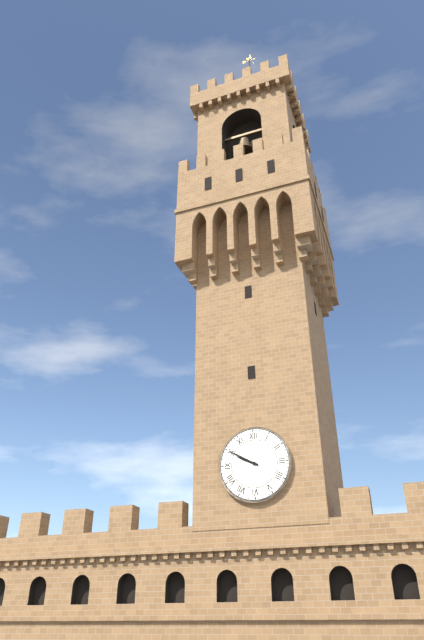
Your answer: **9:50**
